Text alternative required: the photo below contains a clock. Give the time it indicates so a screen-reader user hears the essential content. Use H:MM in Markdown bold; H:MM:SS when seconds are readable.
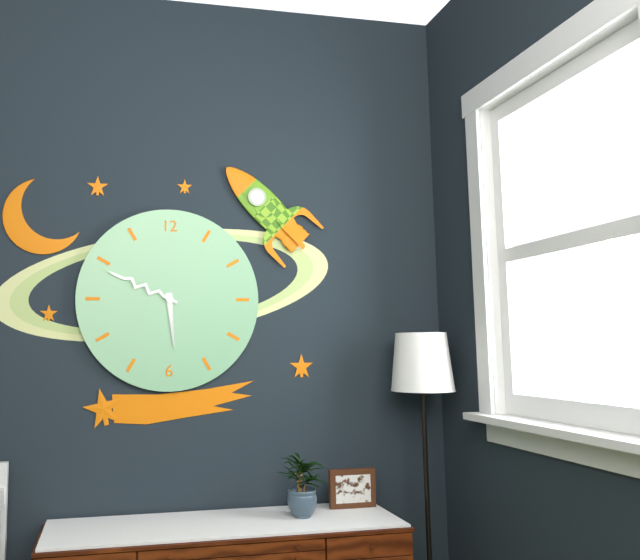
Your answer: **5:49**
